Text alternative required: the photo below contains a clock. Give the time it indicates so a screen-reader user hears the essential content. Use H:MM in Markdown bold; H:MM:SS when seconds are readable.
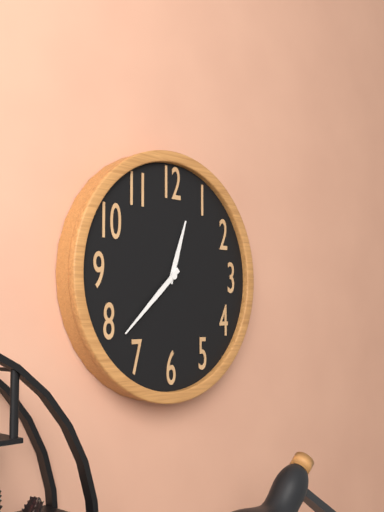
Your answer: **12:38**
